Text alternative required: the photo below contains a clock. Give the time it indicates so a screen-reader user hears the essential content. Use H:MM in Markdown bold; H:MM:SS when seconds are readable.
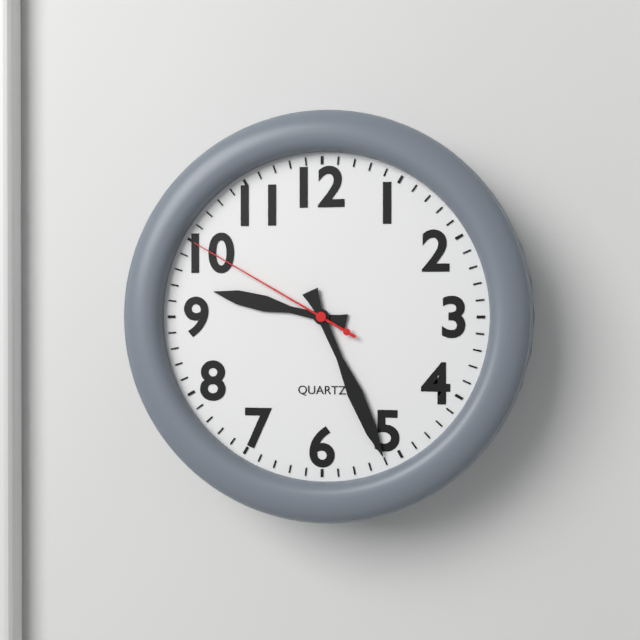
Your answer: **9:26:50**
